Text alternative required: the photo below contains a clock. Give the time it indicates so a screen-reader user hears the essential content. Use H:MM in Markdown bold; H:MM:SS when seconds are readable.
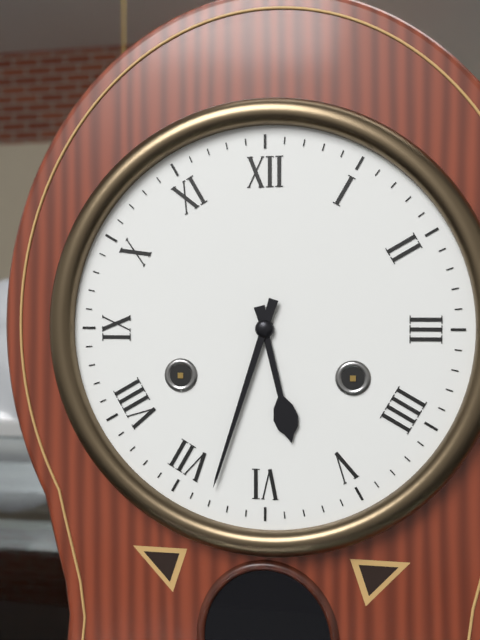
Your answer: **5:33**
